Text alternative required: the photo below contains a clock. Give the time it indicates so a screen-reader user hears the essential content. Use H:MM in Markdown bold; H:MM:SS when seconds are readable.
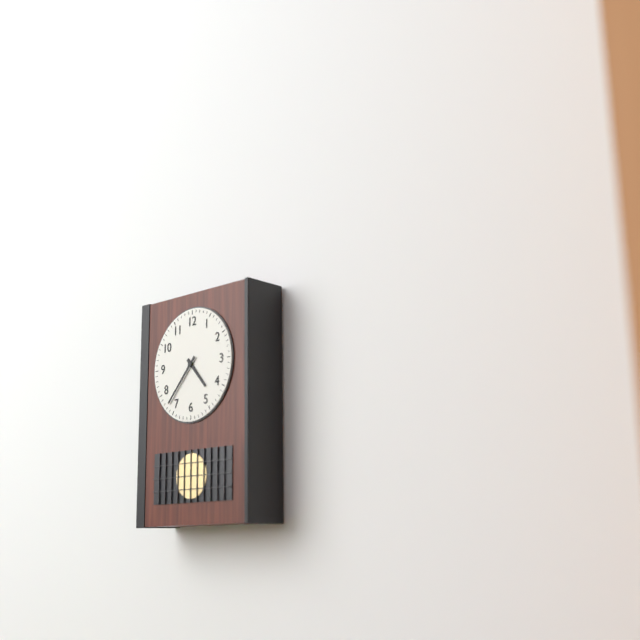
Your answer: **4:37**
